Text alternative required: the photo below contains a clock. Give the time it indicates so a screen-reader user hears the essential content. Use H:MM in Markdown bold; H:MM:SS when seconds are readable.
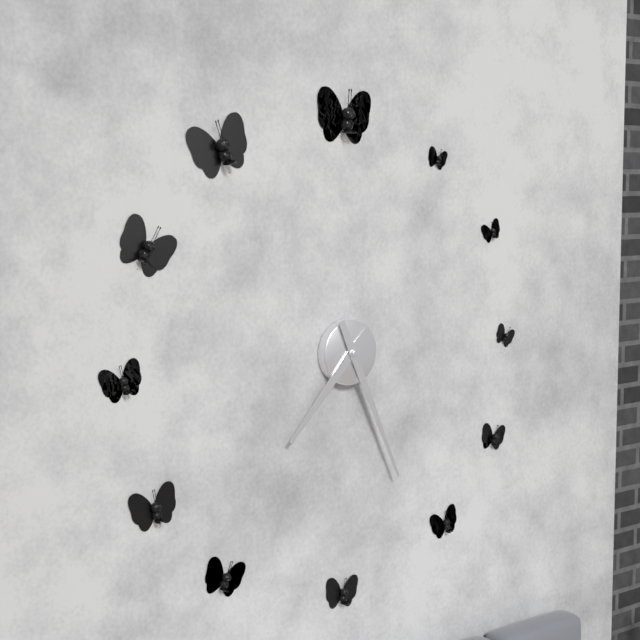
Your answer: **7:26**
